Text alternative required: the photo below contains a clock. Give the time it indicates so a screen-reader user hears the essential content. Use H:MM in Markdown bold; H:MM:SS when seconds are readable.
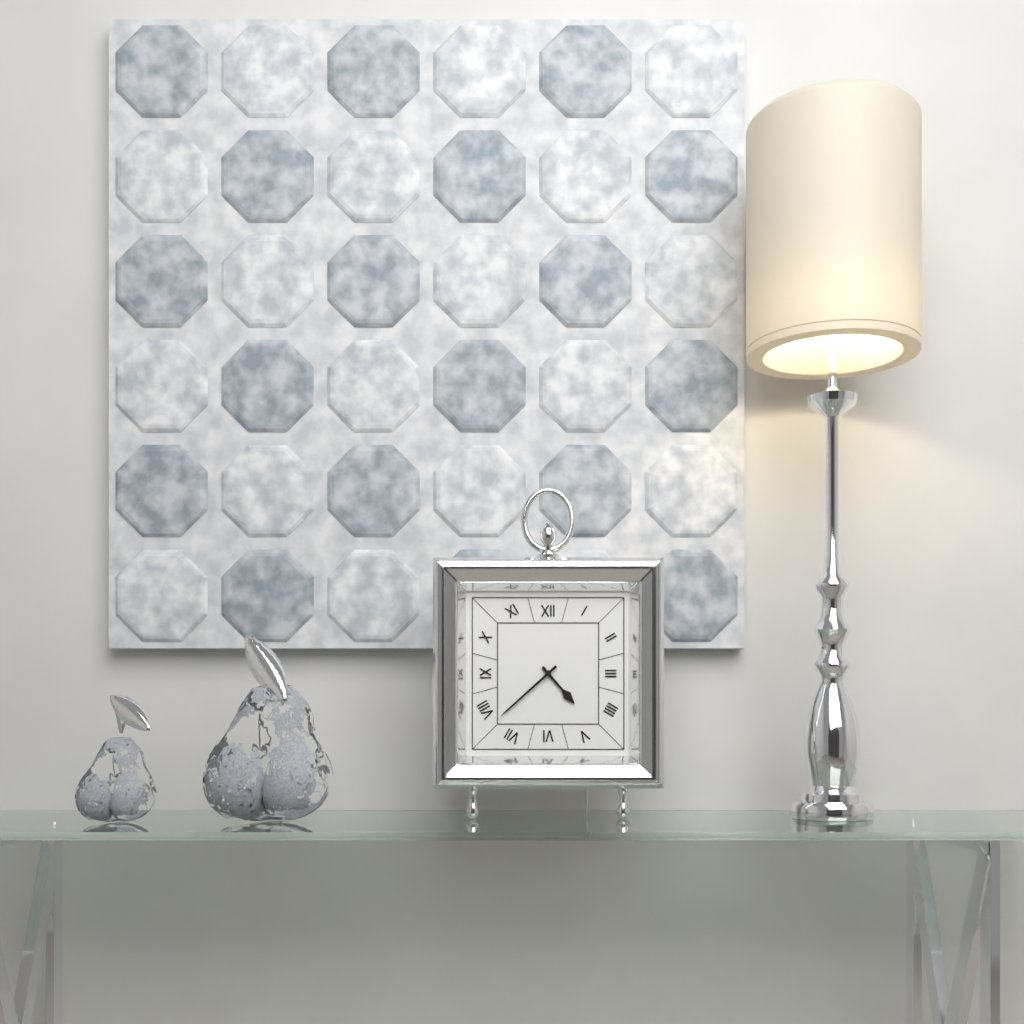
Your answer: **4:38**
